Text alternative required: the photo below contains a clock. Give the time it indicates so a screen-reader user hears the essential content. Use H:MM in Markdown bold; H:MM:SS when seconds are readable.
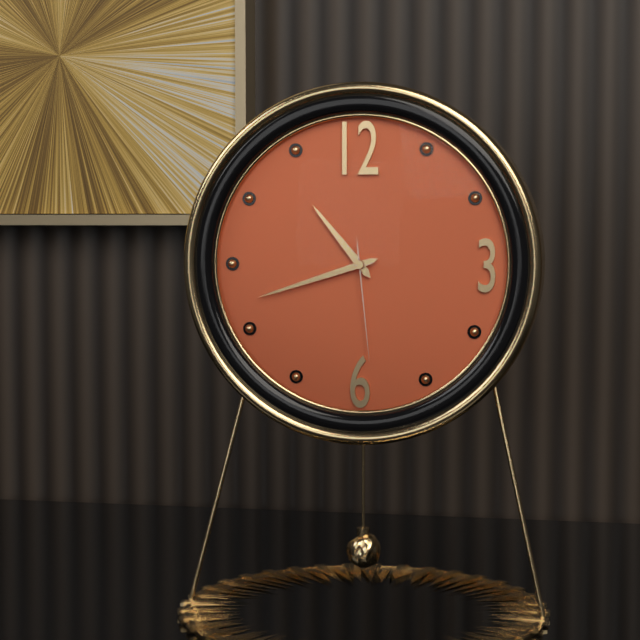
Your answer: **10:42:29**
